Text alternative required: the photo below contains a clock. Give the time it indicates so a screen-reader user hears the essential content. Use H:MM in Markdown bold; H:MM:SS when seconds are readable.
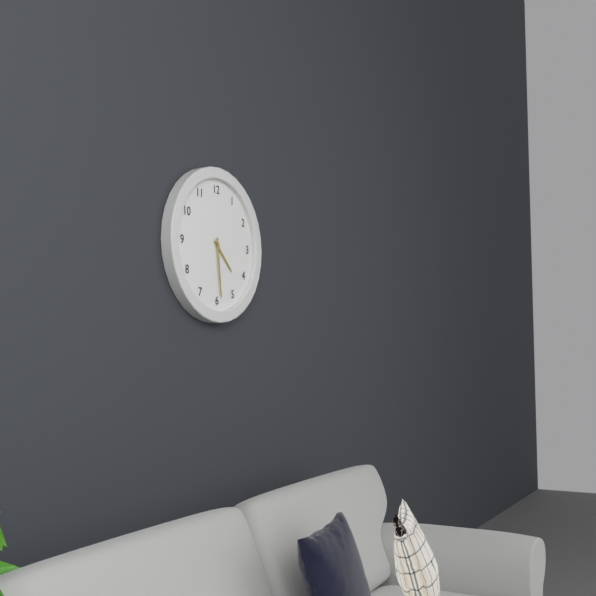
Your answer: **4:29**
